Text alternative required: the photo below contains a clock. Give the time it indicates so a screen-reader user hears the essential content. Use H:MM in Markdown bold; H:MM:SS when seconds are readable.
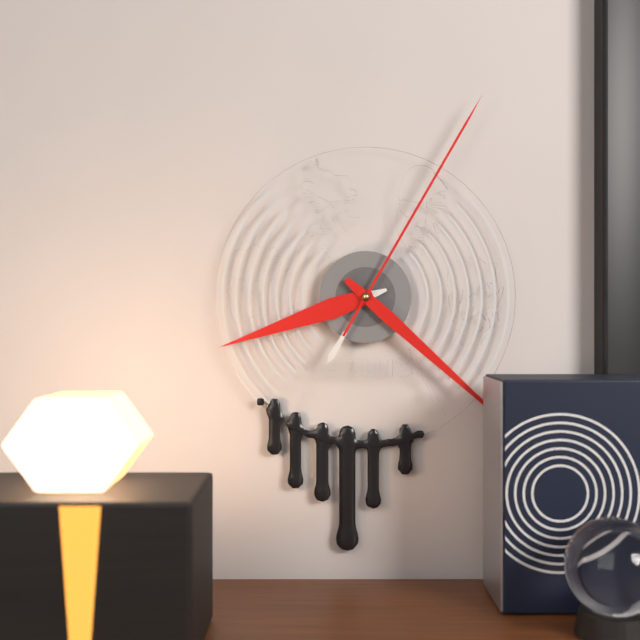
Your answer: **8:22:05**
